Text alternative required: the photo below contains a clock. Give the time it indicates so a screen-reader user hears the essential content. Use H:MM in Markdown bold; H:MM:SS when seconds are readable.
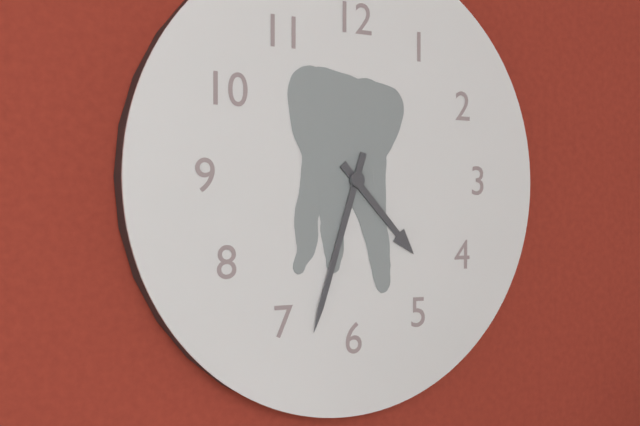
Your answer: **4:33**
